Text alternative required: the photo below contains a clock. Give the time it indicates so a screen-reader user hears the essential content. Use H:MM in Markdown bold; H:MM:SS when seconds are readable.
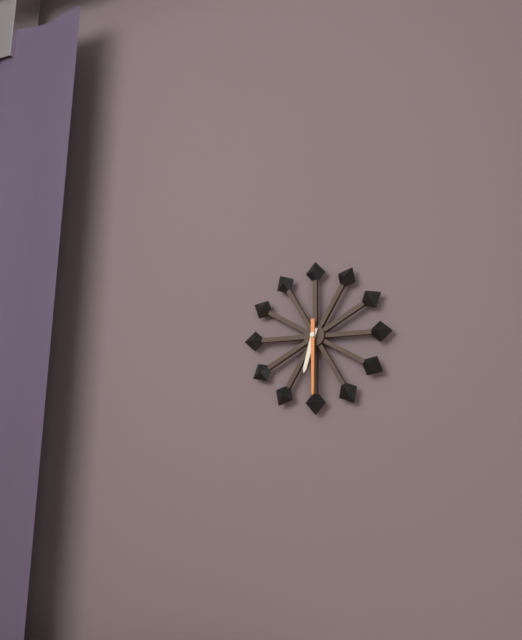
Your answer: **6:30**
